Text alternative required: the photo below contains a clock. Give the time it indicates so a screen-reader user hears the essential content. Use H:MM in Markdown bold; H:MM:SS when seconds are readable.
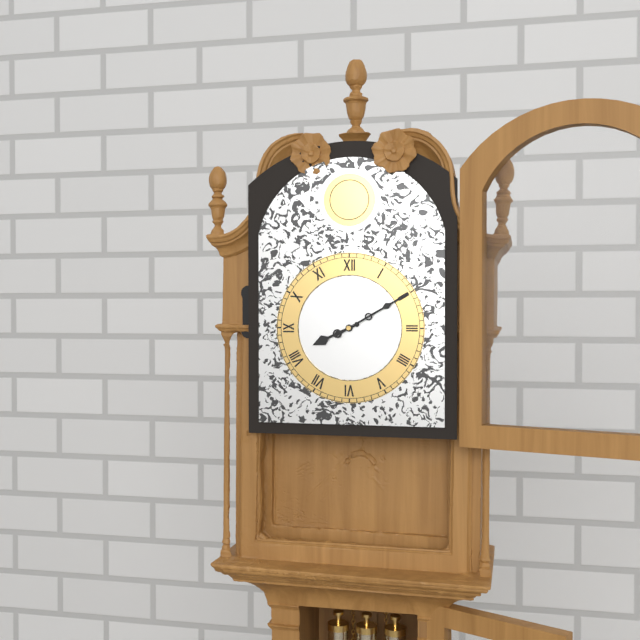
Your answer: **8:10**
